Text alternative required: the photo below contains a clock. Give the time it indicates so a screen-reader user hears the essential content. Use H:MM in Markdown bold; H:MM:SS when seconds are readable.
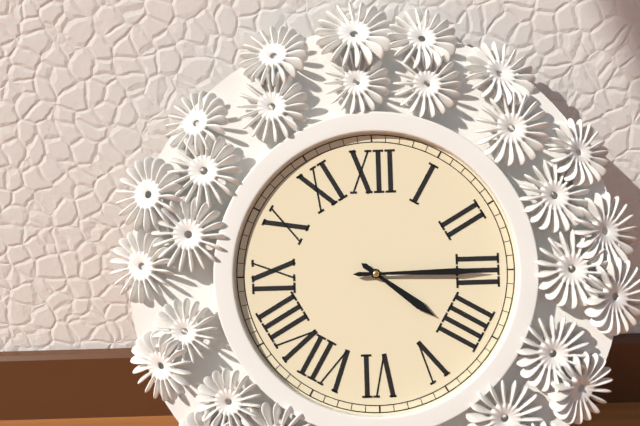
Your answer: **4:15**
